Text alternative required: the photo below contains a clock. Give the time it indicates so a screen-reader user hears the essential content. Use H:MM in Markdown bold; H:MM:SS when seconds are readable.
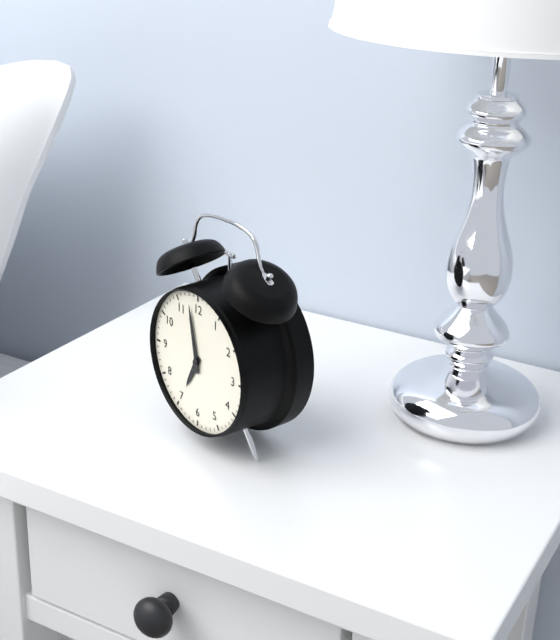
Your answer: **6:58**
